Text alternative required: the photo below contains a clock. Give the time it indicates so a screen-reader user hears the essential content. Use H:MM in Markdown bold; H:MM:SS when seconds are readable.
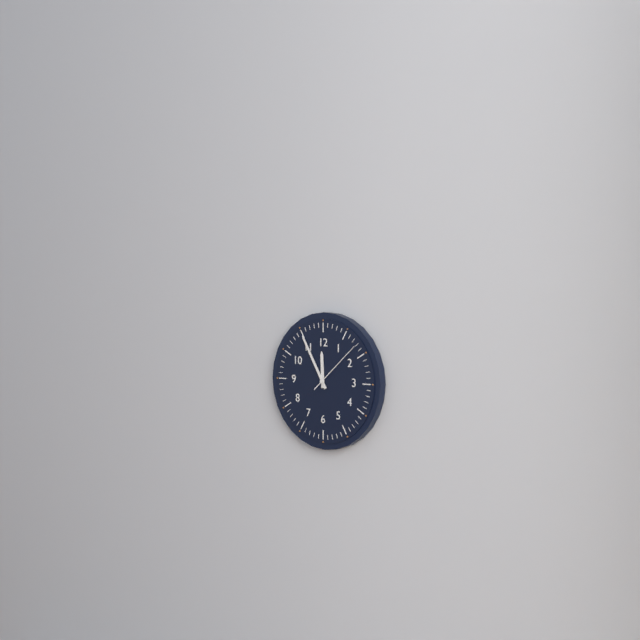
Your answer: **11:55:08**
